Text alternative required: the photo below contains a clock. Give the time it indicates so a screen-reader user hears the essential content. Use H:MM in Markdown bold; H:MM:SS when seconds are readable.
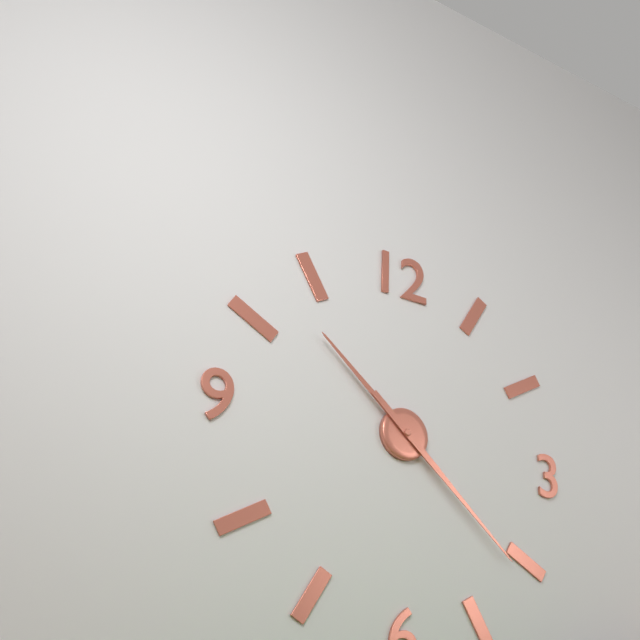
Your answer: **10:22**
